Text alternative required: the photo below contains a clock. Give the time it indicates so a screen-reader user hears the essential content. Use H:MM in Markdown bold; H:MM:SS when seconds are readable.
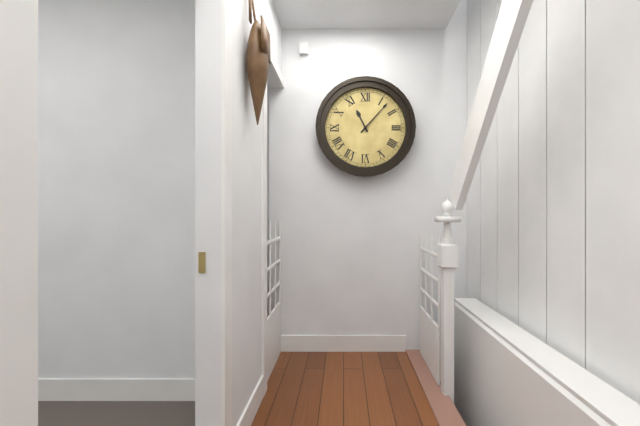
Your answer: **11:07**
